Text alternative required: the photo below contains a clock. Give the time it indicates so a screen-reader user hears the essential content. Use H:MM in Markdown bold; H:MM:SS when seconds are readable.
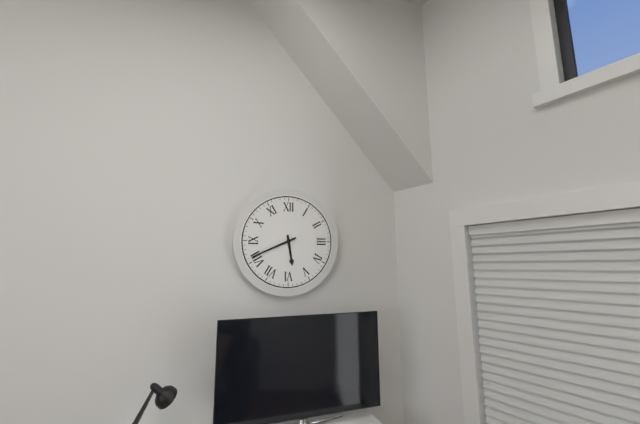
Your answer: **5:41**
